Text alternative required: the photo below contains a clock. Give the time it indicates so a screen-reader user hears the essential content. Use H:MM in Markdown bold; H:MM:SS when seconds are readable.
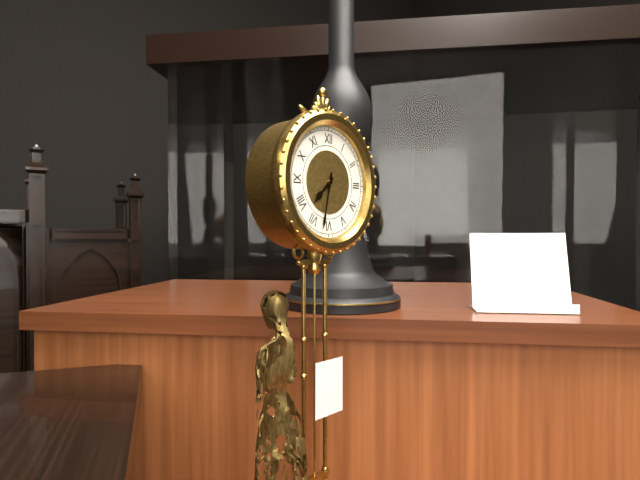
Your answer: **7:32**
